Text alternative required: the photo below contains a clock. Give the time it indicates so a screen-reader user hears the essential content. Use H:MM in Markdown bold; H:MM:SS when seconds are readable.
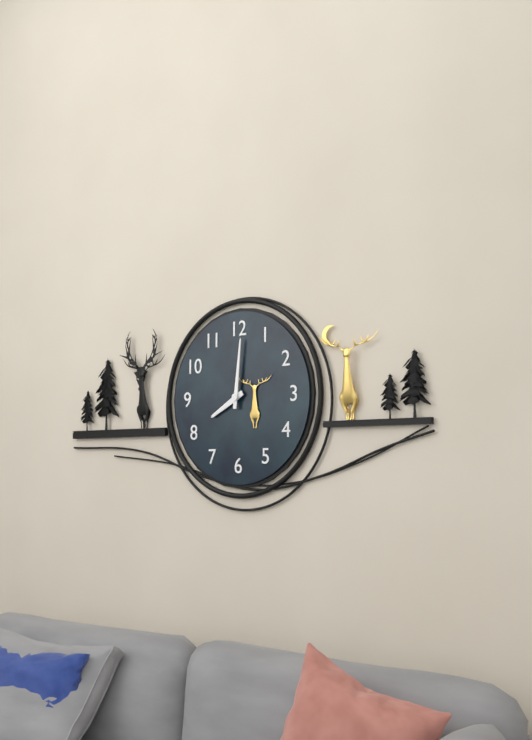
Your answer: **8:01**
